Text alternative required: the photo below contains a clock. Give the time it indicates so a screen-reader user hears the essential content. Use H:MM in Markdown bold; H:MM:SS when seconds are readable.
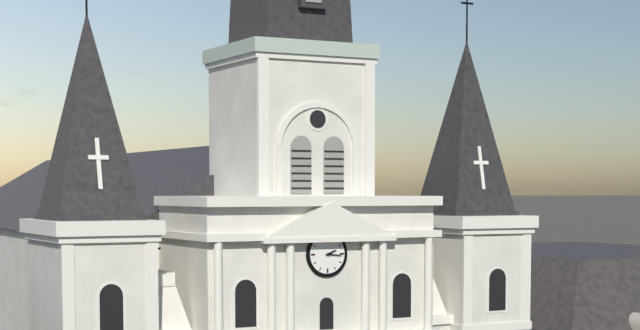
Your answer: **2:16**
